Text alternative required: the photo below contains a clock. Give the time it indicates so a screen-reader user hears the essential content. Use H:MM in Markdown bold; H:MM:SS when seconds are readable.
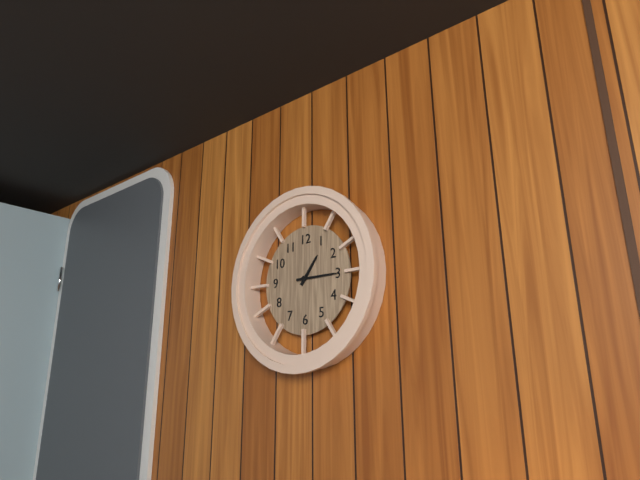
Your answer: **1:15**
